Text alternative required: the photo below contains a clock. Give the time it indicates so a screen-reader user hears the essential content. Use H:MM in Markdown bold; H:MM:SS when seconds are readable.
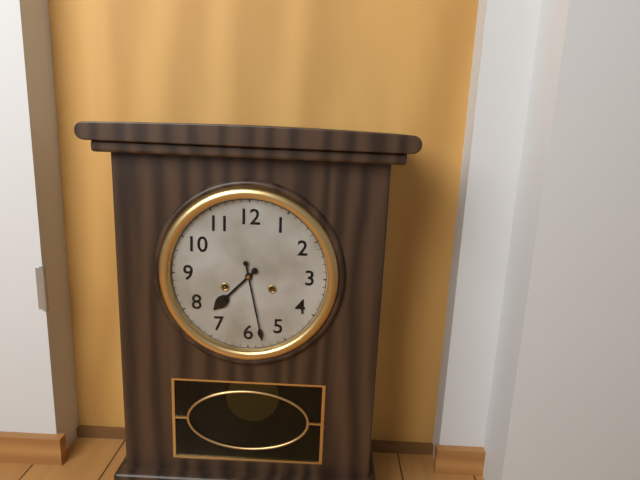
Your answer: **7:28**
